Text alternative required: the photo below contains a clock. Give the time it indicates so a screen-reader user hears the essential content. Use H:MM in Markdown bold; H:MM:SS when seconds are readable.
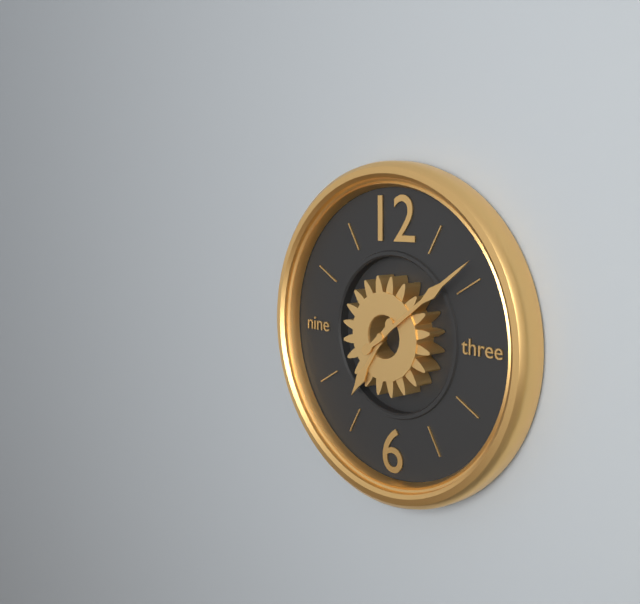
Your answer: **7:09**
